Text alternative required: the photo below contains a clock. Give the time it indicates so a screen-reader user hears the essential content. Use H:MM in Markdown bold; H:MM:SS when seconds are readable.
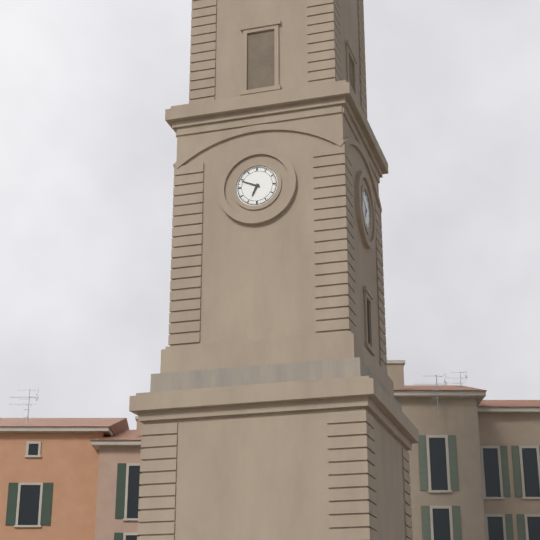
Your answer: **6:49**
